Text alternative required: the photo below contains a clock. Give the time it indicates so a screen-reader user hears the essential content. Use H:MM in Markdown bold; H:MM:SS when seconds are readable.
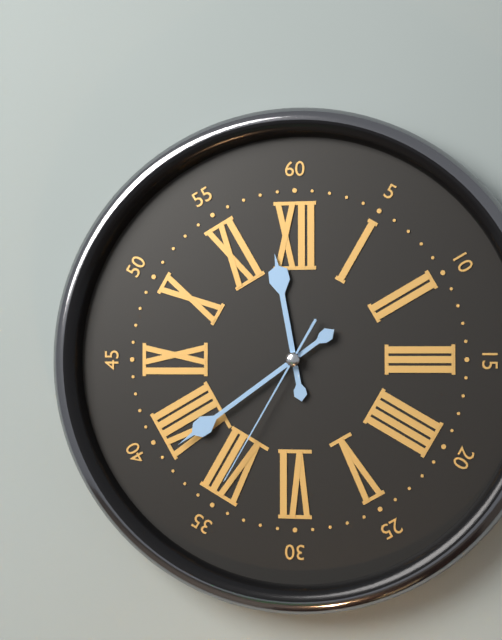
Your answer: **11:39:35**
